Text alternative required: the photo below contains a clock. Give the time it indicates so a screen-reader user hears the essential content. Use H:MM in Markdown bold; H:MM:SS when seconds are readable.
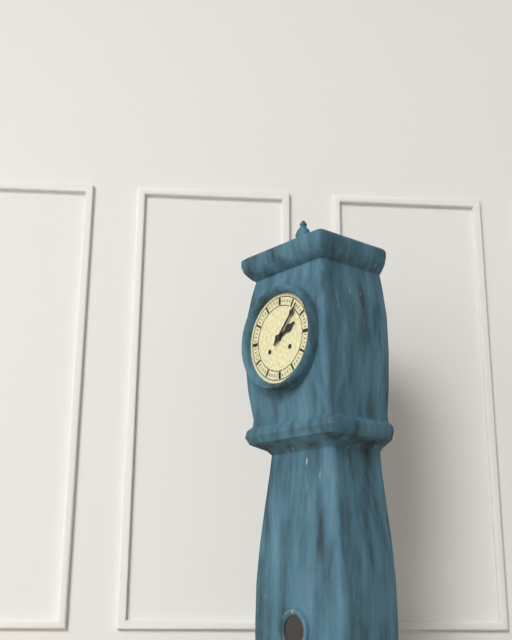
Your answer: **2:07**
